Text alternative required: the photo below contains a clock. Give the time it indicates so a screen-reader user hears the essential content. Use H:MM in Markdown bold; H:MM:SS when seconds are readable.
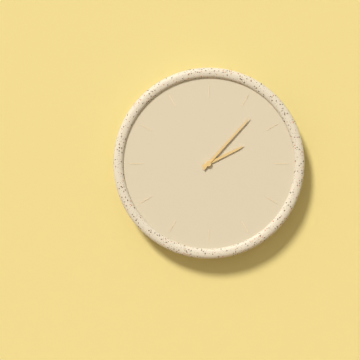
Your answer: **2:07**
